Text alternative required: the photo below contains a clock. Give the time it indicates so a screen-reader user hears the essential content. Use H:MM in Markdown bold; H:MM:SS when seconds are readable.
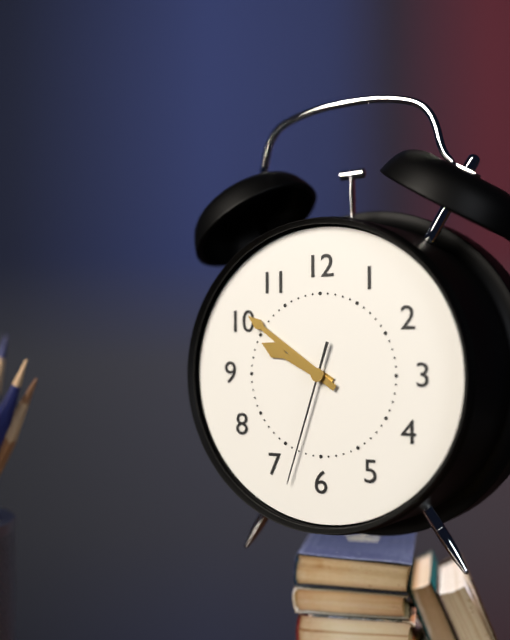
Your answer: **9:51:33**
